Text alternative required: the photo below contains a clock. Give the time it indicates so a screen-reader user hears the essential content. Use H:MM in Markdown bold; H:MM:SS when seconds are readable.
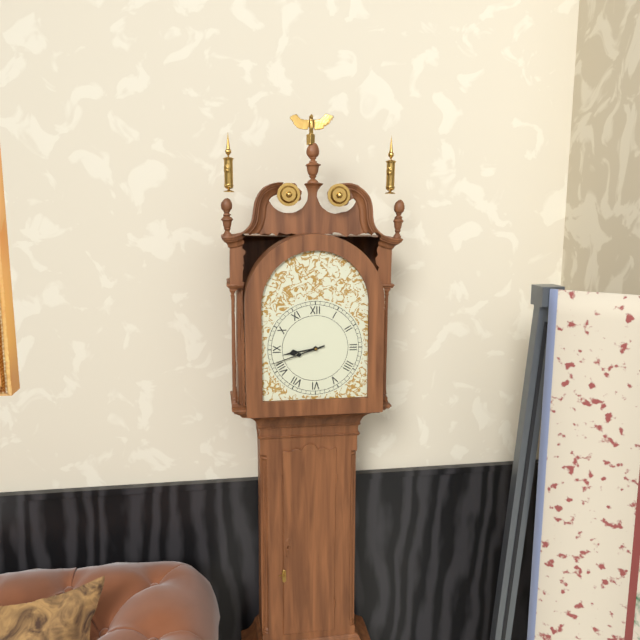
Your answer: **8:42**
